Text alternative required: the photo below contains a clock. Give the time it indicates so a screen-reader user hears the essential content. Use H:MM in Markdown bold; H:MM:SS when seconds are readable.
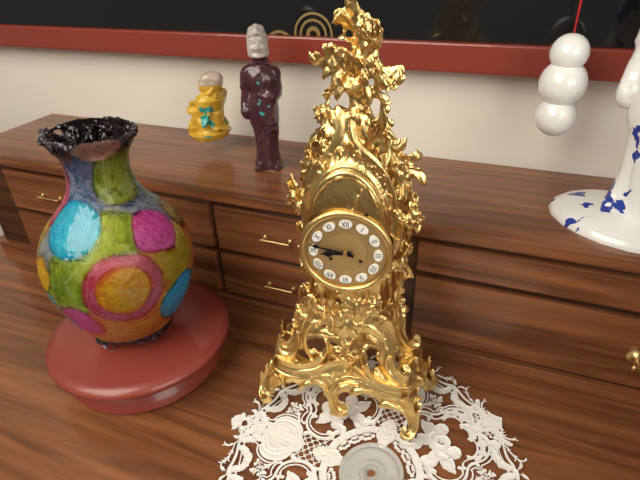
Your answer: **8:47**
